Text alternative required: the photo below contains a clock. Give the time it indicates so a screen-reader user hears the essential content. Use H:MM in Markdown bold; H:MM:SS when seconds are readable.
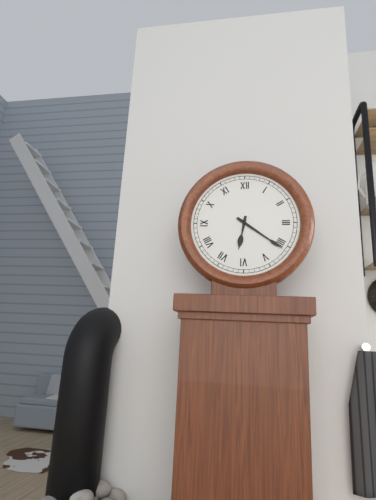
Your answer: **6:21**
